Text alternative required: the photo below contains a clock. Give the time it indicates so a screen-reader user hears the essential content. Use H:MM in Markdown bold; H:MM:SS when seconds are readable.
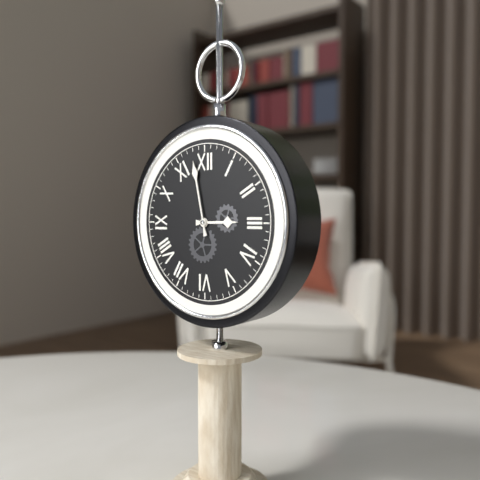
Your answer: **2:58**
